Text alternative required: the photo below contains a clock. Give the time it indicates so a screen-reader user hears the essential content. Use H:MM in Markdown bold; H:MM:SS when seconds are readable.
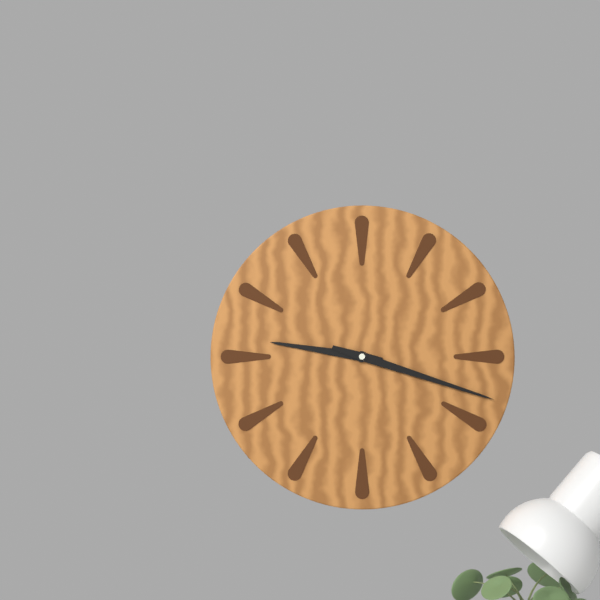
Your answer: **9:18**
